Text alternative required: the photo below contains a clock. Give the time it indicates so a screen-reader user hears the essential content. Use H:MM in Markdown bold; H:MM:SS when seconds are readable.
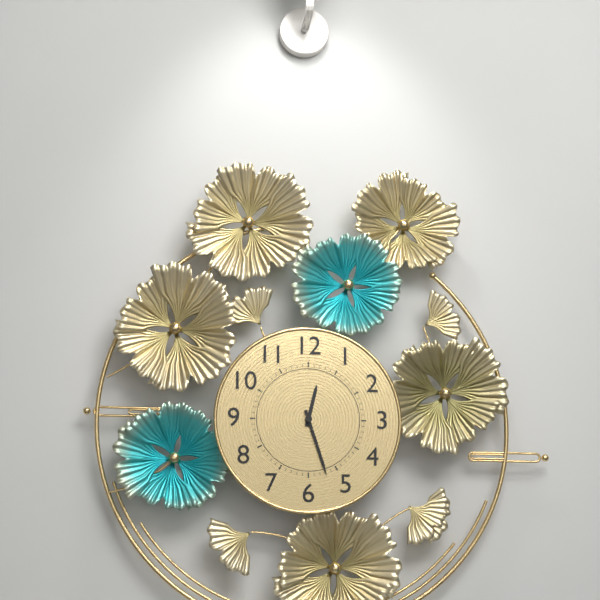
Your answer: **12:27**
